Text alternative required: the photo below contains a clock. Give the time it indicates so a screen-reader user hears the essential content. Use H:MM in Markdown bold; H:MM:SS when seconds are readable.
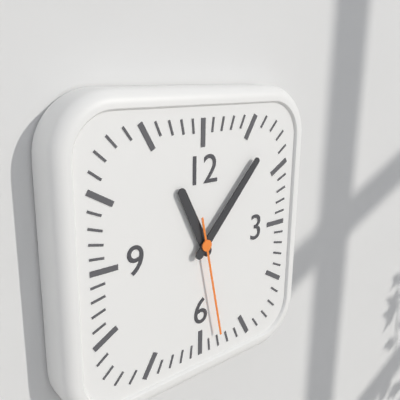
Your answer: **11:07:28**
